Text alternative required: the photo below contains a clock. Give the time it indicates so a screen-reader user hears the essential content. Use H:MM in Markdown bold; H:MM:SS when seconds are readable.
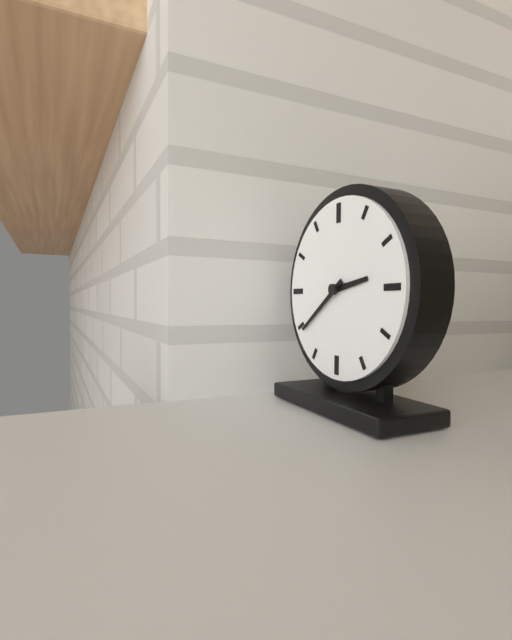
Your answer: **2:39**
